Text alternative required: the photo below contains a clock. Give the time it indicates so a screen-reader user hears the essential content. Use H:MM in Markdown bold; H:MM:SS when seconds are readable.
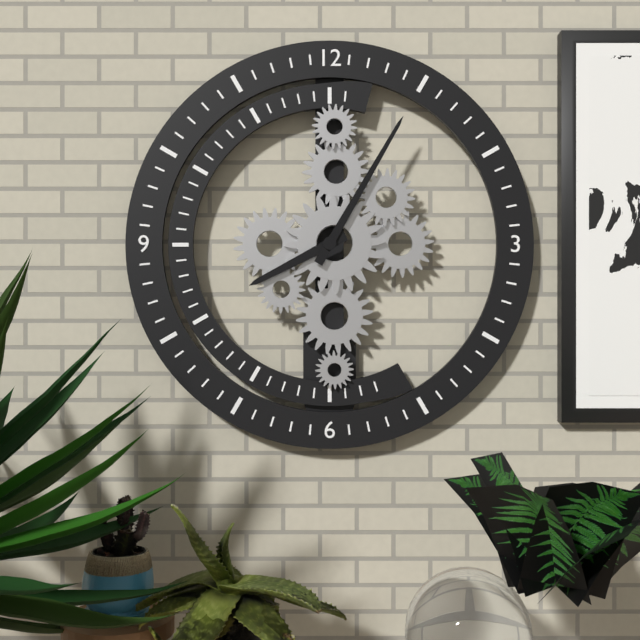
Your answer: **8:05**
